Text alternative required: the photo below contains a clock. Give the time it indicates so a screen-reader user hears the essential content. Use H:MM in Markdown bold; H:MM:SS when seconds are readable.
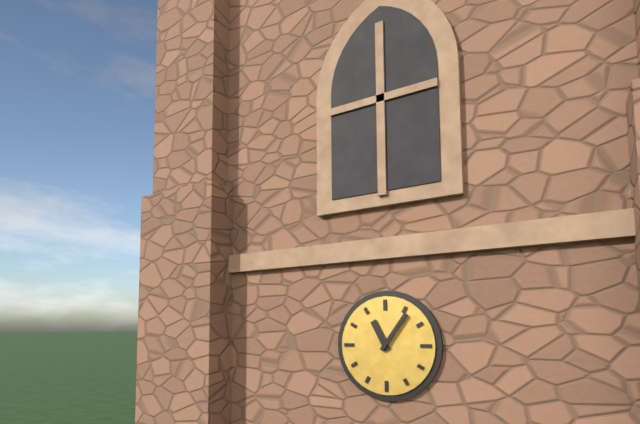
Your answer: **11:06**
